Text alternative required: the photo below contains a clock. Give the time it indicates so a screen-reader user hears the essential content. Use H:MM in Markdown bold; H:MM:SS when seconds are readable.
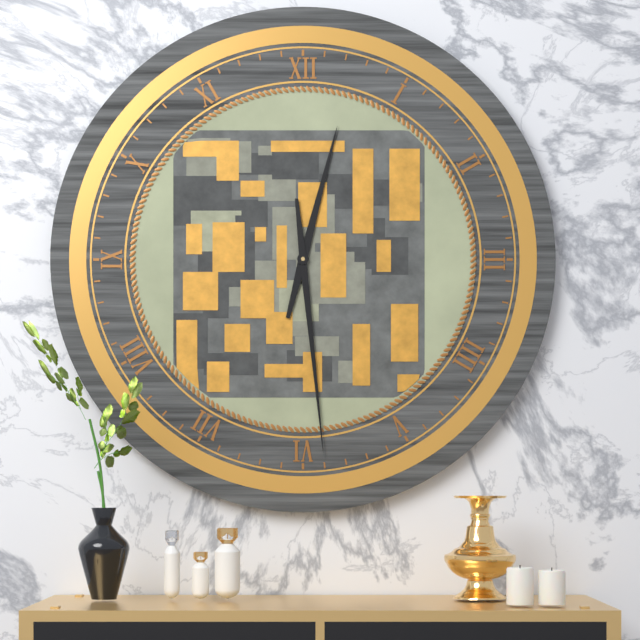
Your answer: **12:29**
